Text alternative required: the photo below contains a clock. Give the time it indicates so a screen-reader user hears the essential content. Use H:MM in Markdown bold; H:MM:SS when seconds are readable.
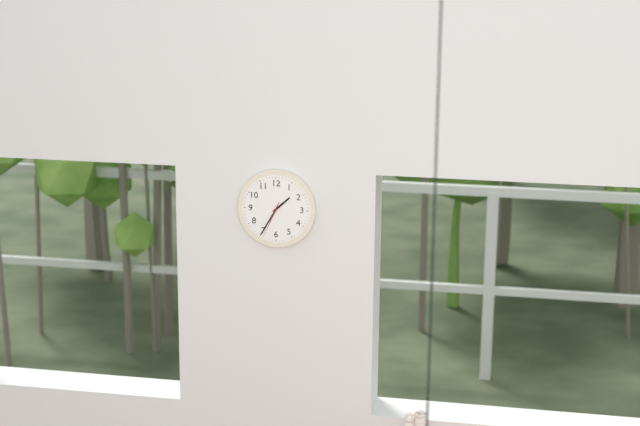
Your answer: **1:35**
